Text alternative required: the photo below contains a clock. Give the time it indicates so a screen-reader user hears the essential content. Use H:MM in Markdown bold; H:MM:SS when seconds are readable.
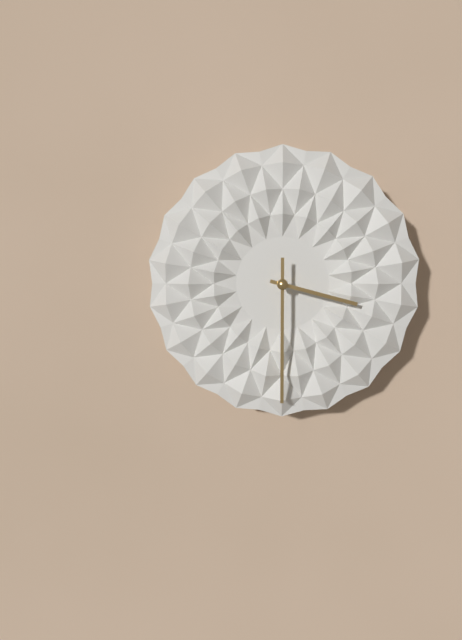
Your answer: **3:30**
